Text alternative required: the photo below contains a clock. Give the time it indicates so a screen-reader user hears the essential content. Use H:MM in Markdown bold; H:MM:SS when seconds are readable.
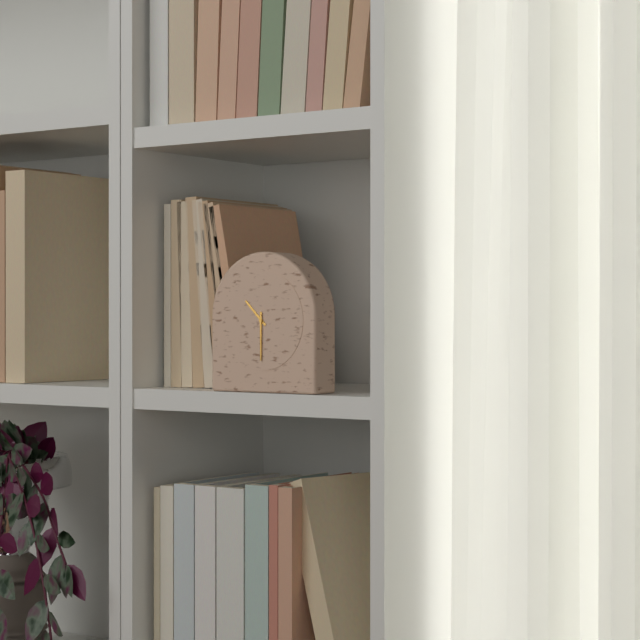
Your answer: **10:30**
